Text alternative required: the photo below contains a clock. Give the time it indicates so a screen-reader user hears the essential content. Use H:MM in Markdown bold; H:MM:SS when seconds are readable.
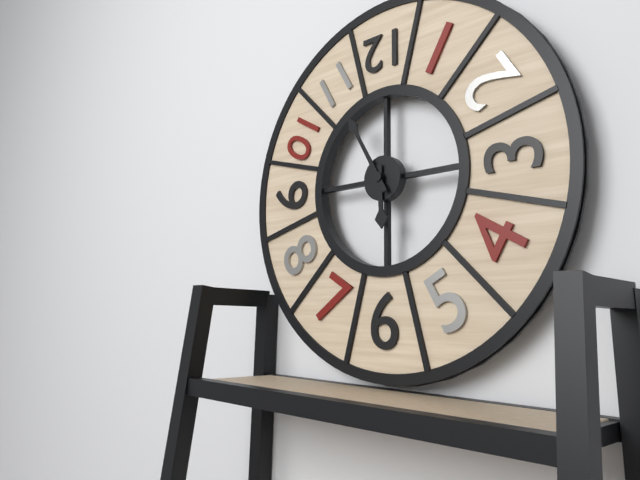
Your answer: **5:55**
